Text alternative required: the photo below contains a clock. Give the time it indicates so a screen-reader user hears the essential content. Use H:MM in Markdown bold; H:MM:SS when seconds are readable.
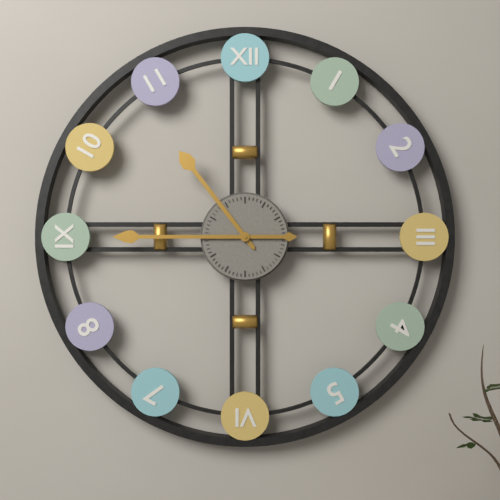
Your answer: **10:45**
